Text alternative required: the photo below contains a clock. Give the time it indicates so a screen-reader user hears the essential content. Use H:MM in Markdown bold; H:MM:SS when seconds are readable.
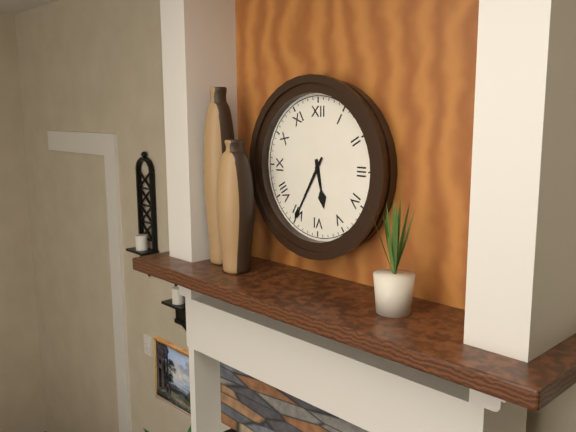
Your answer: **5:35**
